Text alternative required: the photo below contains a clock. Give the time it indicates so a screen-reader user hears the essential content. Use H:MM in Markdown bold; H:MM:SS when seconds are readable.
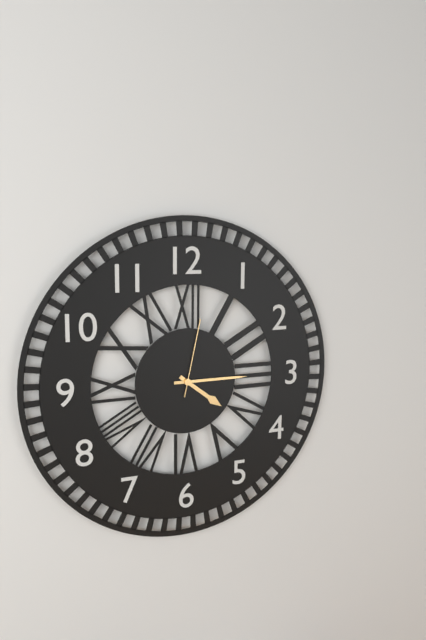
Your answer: **4:15:02**
